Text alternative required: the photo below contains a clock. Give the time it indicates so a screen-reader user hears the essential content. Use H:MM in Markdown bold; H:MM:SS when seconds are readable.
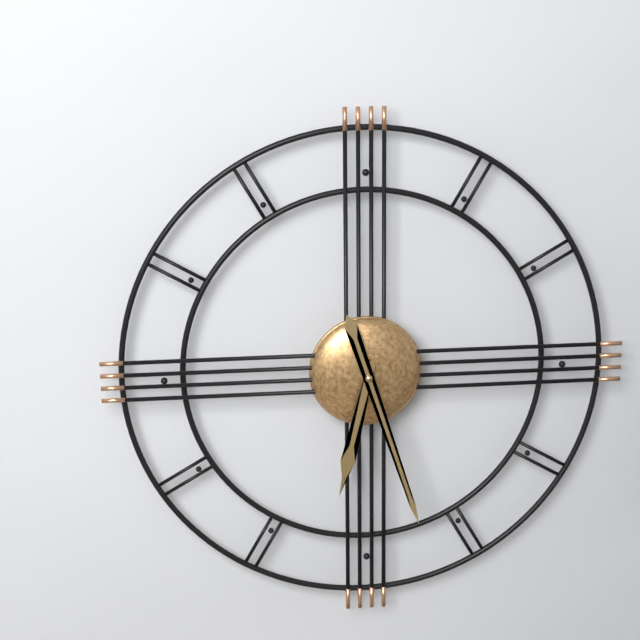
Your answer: **6:27**
